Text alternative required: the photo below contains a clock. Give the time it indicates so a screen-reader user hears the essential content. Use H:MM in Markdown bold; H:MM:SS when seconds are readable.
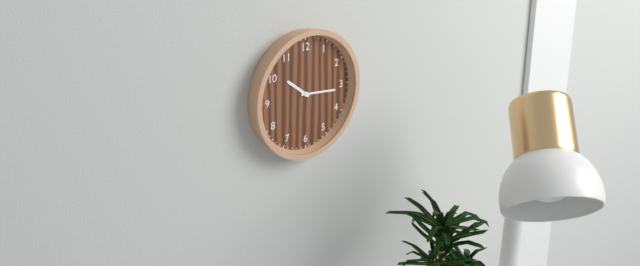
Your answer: **10:16**
